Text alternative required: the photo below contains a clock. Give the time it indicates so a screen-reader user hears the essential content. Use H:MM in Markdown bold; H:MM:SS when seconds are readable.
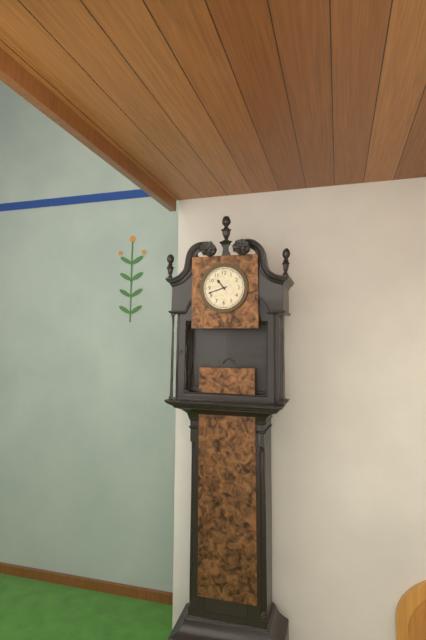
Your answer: **10:42**
